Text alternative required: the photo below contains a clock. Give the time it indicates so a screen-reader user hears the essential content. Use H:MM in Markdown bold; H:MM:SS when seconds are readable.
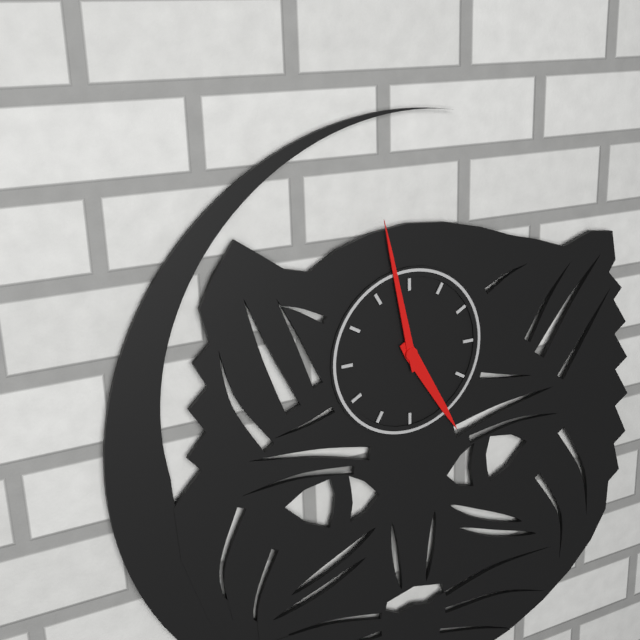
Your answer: **4:58**
